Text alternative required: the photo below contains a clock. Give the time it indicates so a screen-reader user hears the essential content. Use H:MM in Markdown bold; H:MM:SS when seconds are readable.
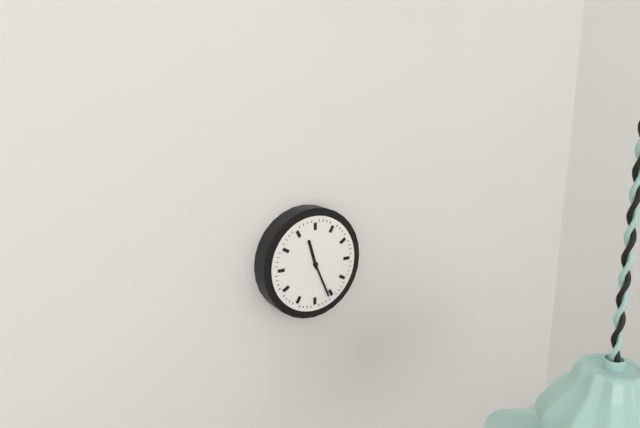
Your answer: **11:26**
